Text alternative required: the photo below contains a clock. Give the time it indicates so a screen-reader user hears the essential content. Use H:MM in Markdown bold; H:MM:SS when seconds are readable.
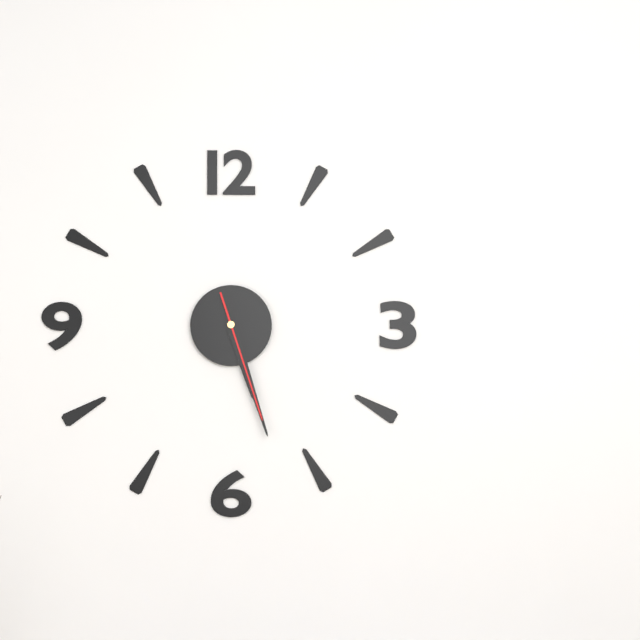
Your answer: **5:27:27**
